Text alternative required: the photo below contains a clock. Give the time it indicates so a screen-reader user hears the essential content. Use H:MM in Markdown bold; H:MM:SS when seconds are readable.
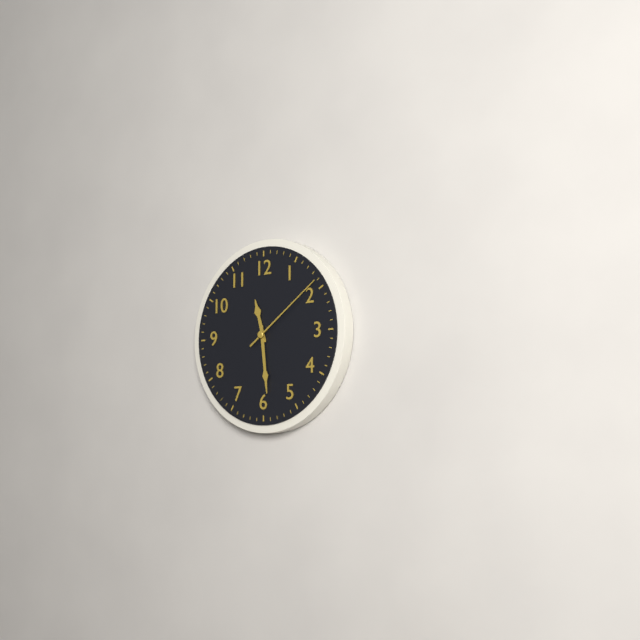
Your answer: **11:29:09**
